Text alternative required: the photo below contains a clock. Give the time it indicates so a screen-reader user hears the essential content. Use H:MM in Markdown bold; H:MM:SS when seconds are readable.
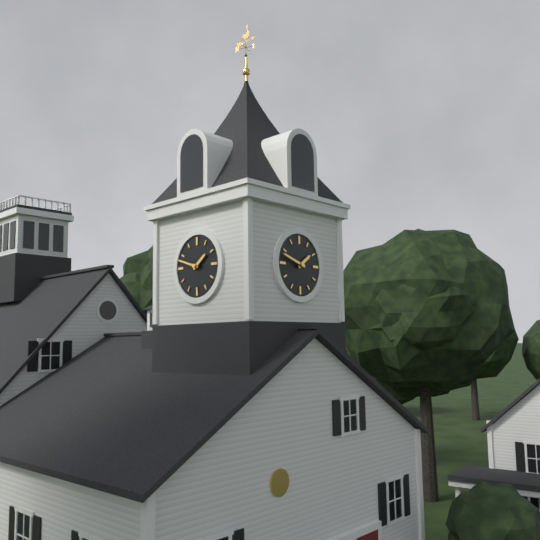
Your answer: **1:48**
